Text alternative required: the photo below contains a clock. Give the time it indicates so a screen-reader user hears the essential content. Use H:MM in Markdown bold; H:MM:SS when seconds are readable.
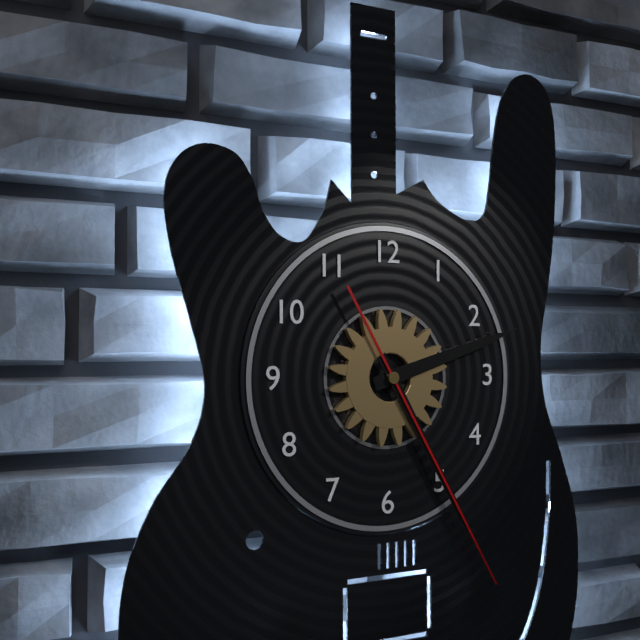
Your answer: **2:25:25**
